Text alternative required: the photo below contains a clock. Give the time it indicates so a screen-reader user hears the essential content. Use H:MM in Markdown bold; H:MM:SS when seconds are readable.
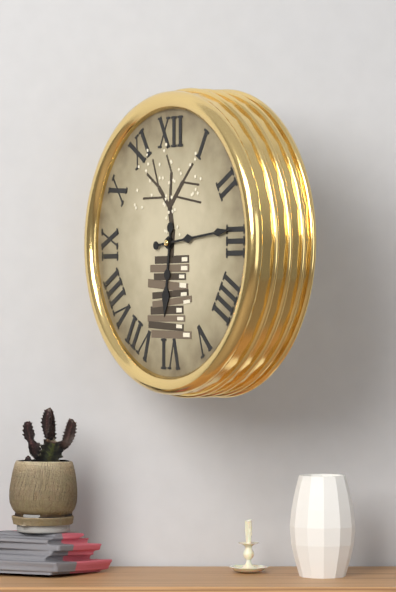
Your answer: **6:14**
